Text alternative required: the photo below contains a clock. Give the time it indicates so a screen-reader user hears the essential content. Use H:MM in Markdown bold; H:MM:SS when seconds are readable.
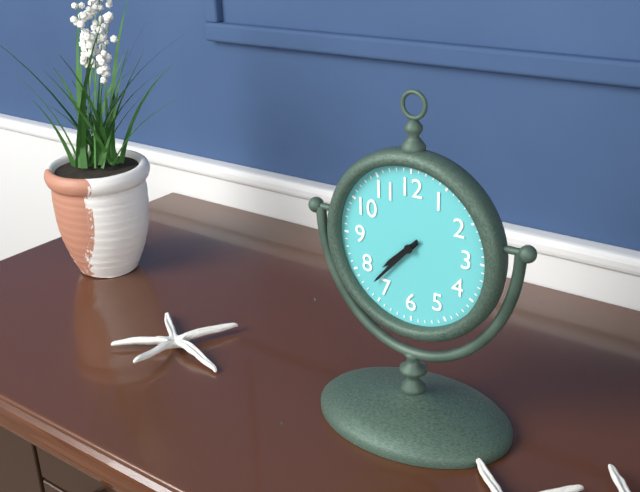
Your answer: **7:37**
